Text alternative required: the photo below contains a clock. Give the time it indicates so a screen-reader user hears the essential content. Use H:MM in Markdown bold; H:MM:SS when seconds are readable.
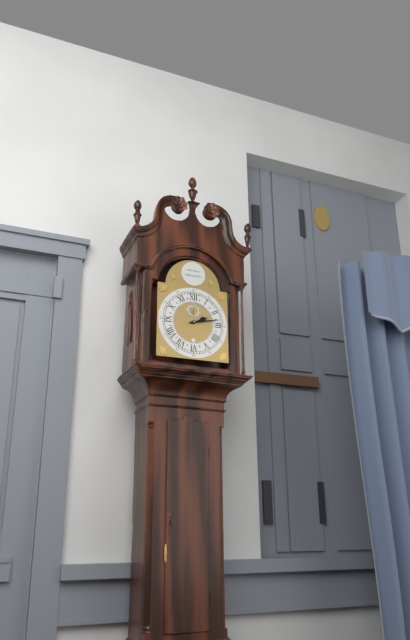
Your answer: **2:13**
